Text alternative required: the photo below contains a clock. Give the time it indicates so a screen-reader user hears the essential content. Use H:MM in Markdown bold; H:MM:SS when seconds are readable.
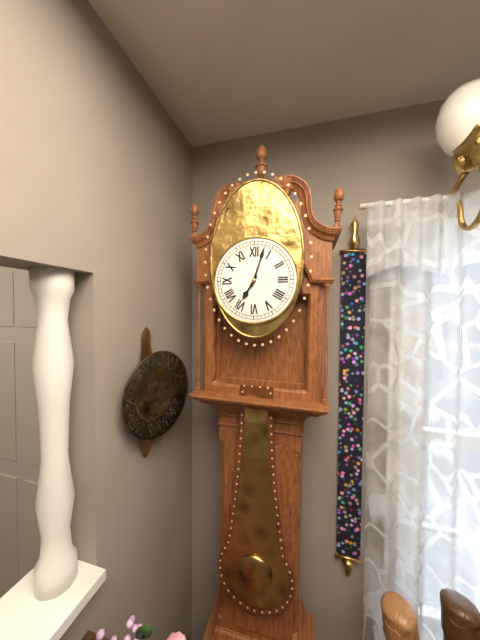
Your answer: **7:03**
